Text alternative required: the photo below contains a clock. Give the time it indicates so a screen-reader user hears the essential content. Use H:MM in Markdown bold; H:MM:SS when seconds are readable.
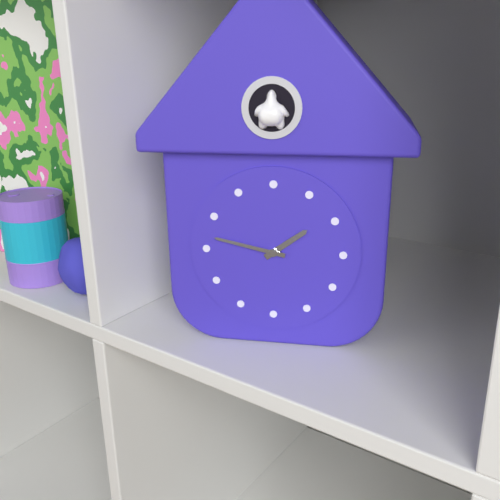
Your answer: **1:47**
